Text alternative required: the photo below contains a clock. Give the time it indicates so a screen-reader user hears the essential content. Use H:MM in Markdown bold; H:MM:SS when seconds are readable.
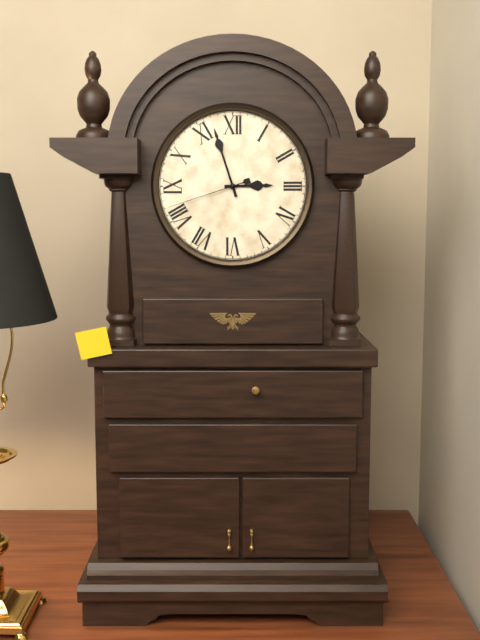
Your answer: **2:57:42**
